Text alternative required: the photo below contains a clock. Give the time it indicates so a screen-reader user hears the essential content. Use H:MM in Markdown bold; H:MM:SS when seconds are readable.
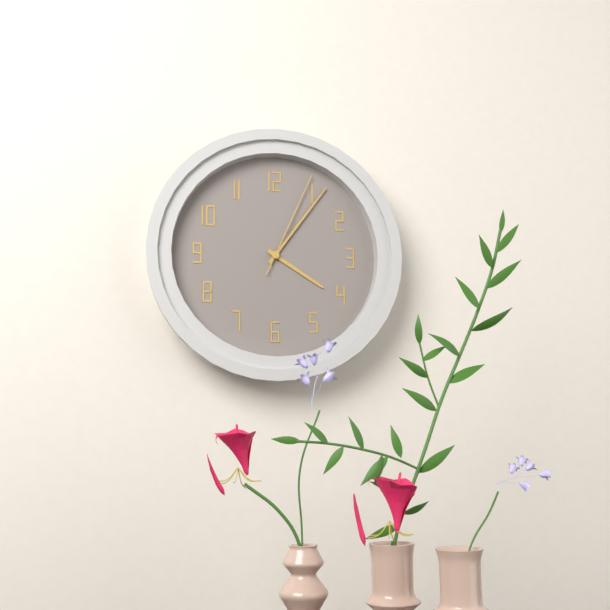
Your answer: **4:06:04**
